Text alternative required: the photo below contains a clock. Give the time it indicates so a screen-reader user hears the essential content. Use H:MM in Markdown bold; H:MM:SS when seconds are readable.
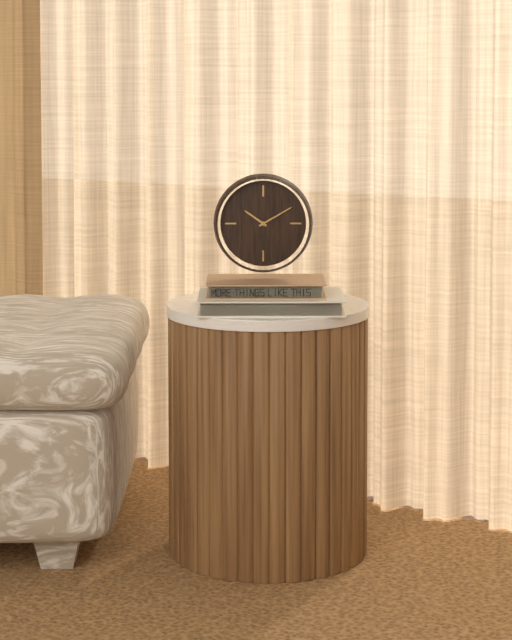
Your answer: **10:10**
